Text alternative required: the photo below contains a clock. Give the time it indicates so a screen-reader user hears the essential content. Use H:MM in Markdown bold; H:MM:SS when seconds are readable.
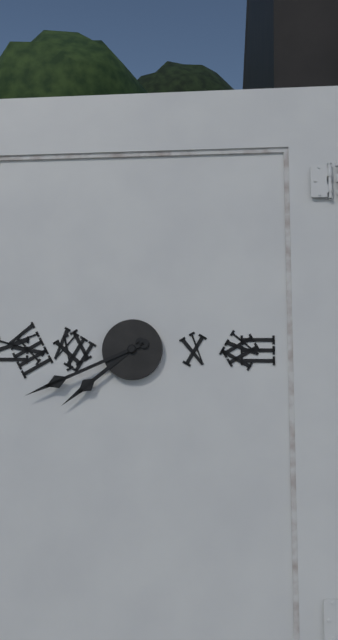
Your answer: **7:41**
